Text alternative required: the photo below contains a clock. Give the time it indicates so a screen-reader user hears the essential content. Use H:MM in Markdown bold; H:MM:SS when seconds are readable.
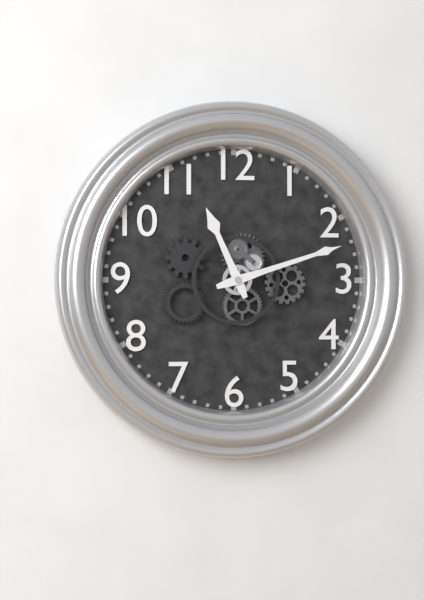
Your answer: **11:12**
